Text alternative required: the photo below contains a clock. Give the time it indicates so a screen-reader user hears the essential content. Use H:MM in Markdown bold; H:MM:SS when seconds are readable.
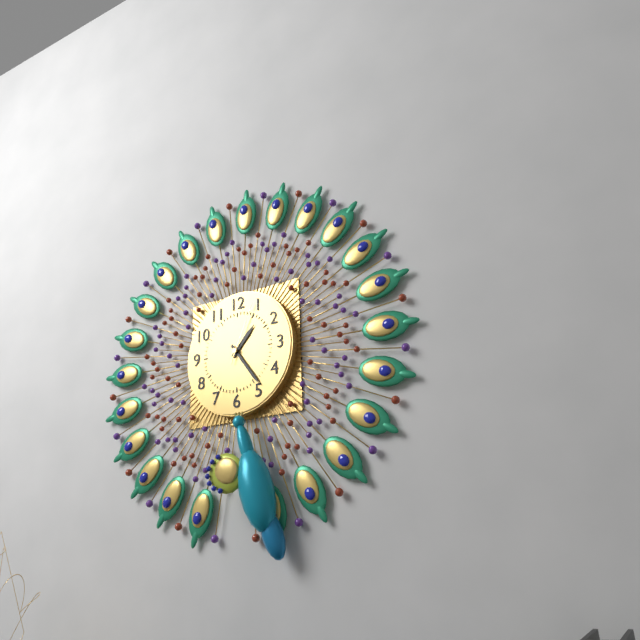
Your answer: **1:24:04**
